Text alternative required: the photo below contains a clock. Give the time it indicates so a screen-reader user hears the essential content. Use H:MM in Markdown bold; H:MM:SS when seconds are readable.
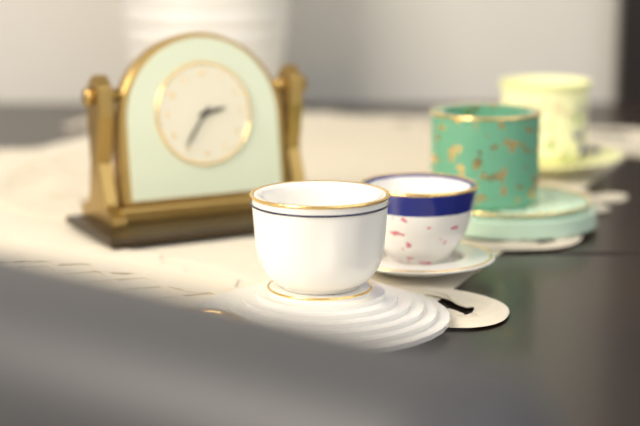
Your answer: **2:36**
